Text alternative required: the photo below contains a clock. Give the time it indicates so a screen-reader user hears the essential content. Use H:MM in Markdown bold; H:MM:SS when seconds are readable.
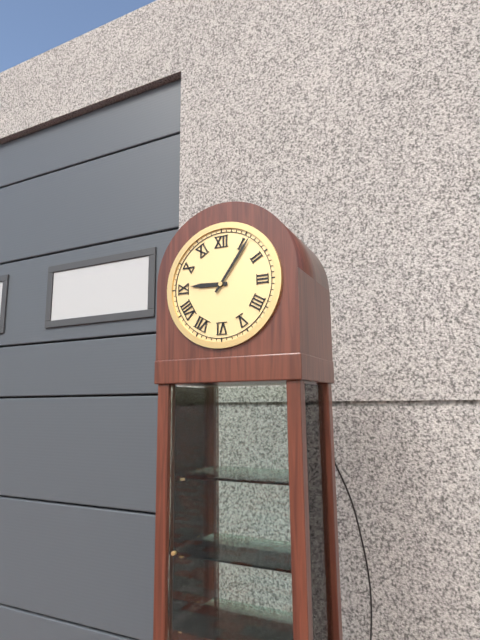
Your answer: **9:06**
